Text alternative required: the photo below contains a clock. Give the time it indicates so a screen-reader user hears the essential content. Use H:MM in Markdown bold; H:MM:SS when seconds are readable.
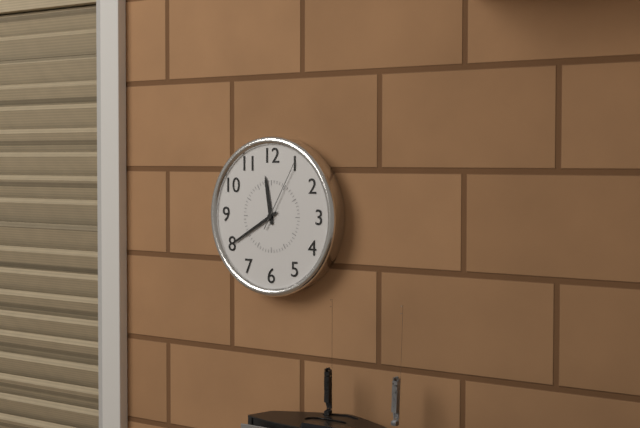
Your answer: **11:40:05**
